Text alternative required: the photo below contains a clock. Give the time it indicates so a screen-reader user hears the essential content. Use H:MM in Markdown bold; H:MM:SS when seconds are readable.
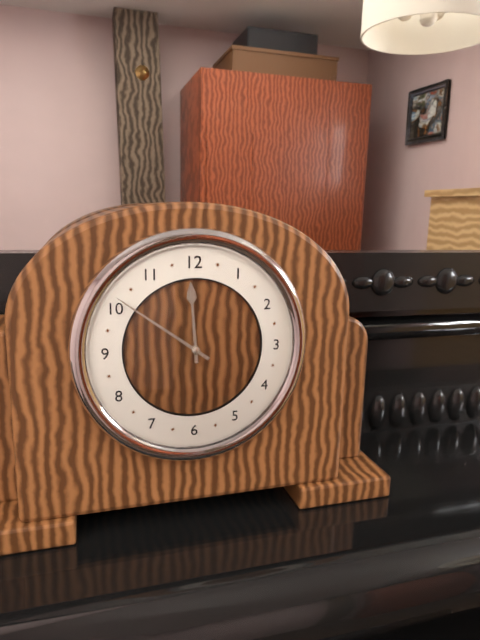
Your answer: **11:51**
